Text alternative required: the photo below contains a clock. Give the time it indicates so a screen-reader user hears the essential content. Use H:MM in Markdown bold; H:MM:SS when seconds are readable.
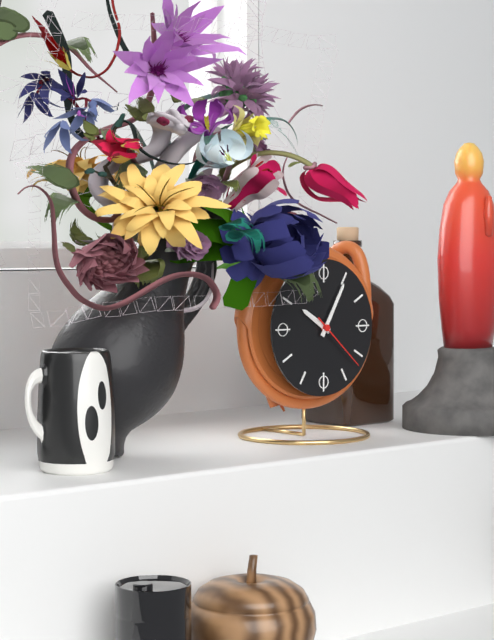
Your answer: **10:05:22**
